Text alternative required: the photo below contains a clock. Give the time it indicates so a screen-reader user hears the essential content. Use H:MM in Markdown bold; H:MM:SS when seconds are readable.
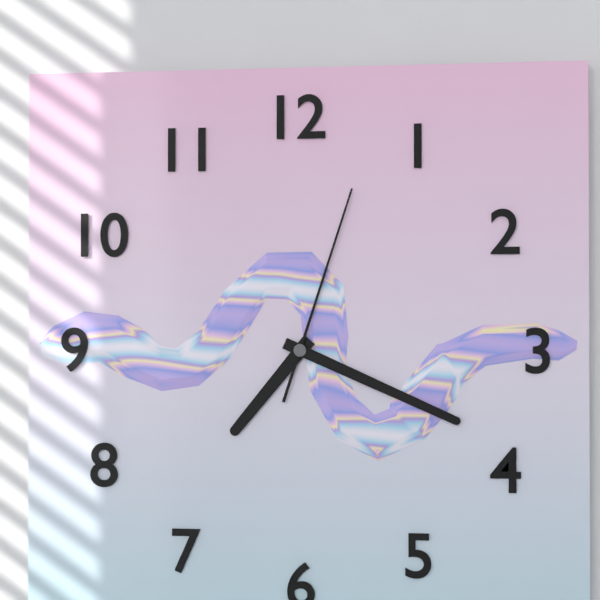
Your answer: **7:19:03**
